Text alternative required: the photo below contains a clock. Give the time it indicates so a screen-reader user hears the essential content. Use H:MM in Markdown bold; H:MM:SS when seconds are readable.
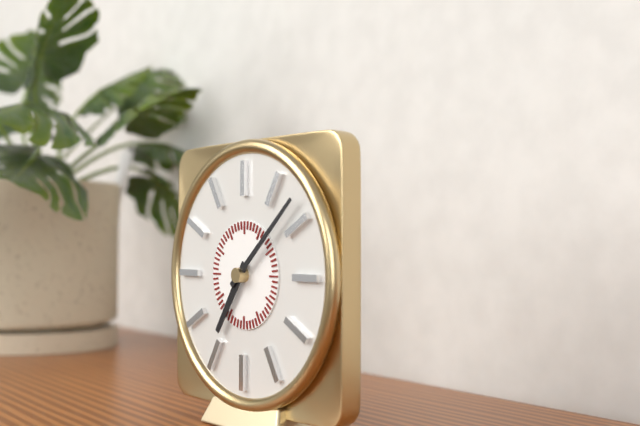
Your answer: **7:08**
